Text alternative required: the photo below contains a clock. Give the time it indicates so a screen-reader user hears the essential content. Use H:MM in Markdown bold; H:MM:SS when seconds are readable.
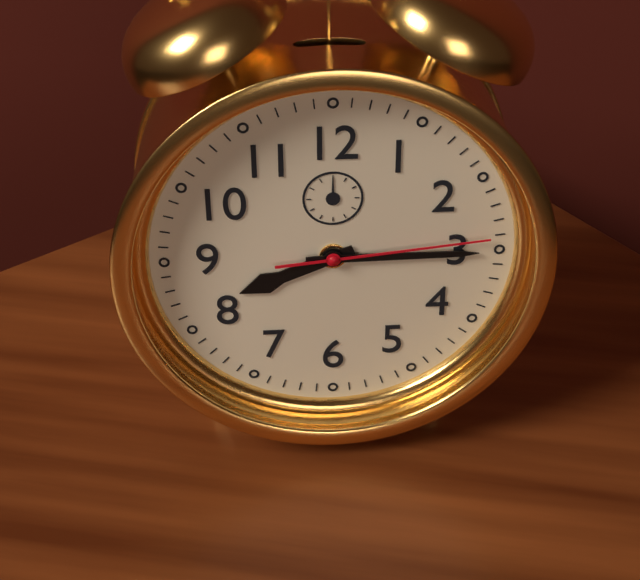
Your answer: **8:15:14**
